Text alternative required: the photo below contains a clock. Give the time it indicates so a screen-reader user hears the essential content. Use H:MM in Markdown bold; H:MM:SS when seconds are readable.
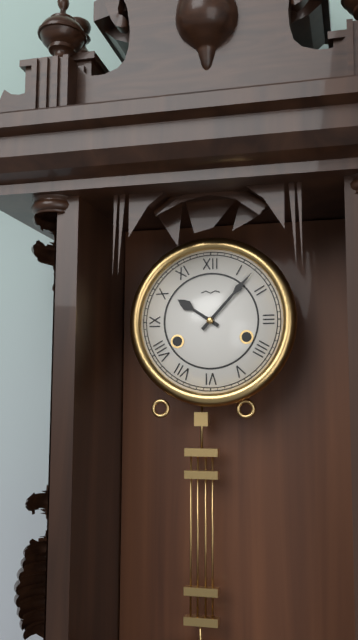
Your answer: **10:07**
